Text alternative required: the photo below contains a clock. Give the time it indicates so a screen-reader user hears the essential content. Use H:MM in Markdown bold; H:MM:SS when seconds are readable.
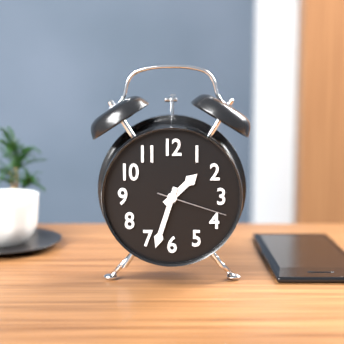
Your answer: **1:33:18**
